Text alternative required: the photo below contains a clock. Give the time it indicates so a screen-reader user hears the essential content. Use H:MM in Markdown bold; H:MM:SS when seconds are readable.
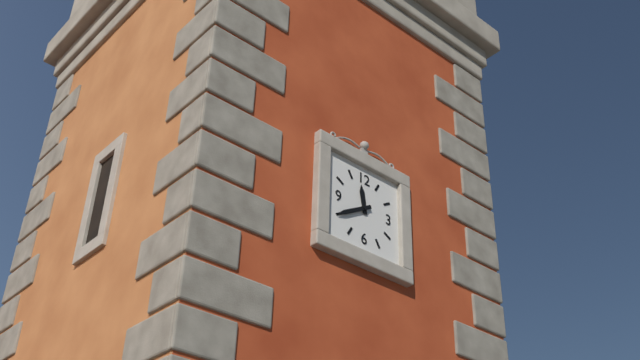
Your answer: **11:40**
